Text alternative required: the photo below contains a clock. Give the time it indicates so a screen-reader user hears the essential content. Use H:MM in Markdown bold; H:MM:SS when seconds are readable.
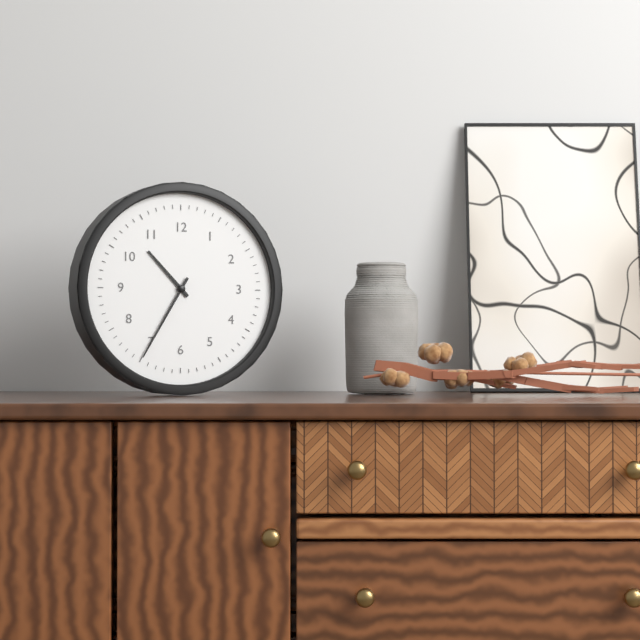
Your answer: **10:35**
